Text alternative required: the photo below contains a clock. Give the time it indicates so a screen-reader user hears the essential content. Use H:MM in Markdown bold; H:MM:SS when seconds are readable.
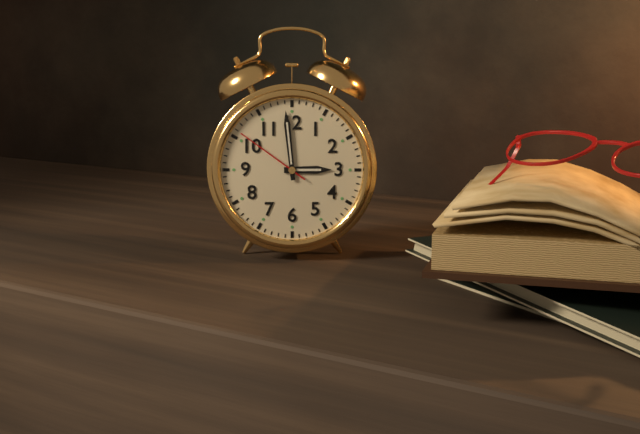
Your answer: **2:59:51**
